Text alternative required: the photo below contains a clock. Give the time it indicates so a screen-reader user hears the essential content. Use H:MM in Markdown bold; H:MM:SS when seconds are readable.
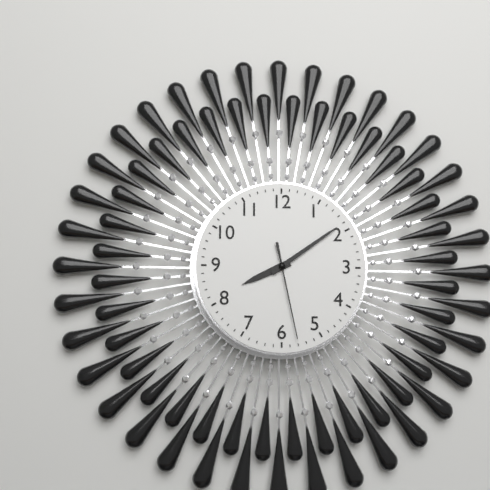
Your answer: **8:09:28**
